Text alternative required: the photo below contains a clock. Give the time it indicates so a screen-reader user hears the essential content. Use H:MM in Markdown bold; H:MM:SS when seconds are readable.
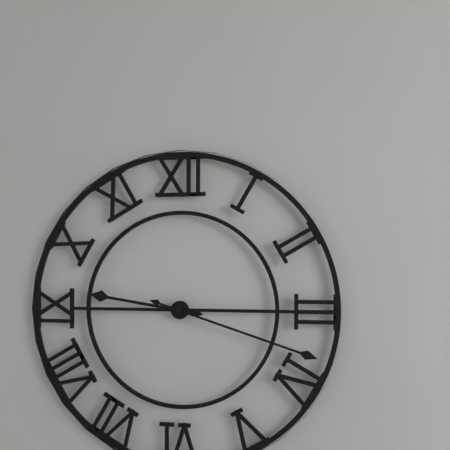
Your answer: **9:18**
